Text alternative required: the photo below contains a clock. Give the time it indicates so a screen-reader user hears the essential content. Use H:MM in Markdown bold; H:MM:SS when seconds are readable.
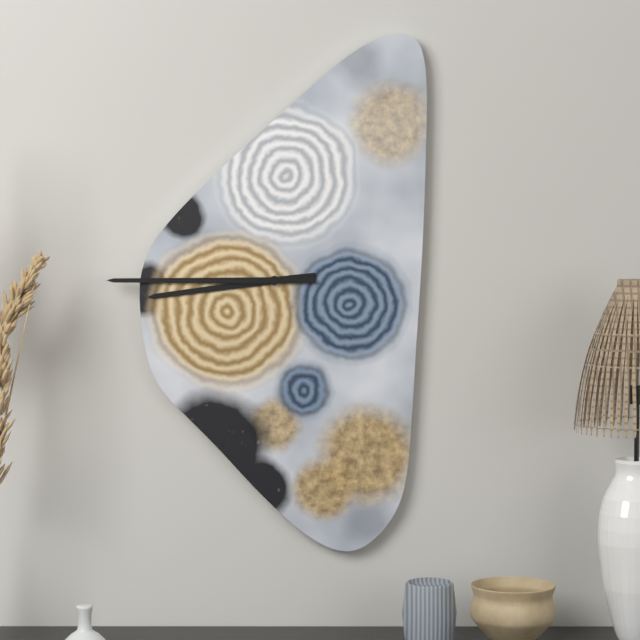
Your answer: **8:45**
